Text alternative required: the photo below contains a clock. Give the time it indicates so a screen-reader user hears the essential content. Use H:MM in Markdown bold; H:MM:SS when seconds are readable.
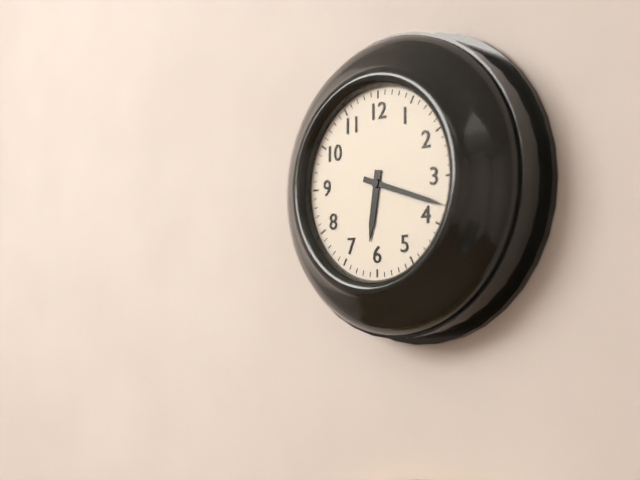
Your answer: **6:18**
